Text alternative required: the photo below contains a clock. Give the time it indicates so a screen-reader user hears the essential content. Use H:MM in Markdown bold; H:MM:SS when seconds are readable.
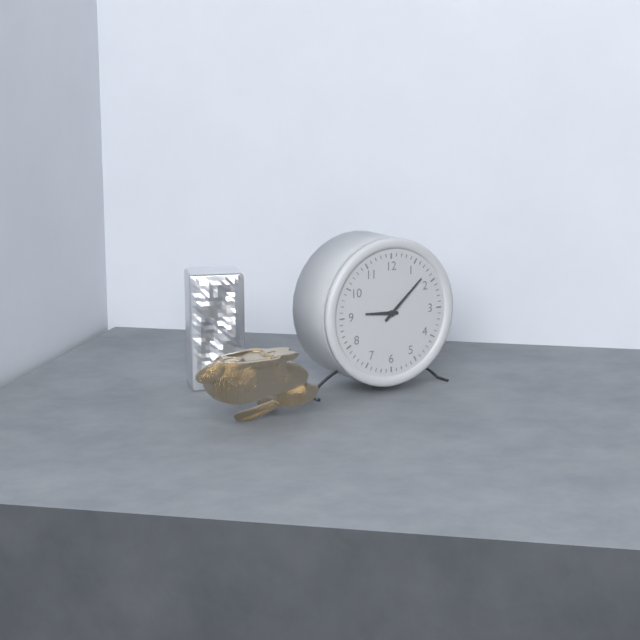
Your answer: **9:08**
